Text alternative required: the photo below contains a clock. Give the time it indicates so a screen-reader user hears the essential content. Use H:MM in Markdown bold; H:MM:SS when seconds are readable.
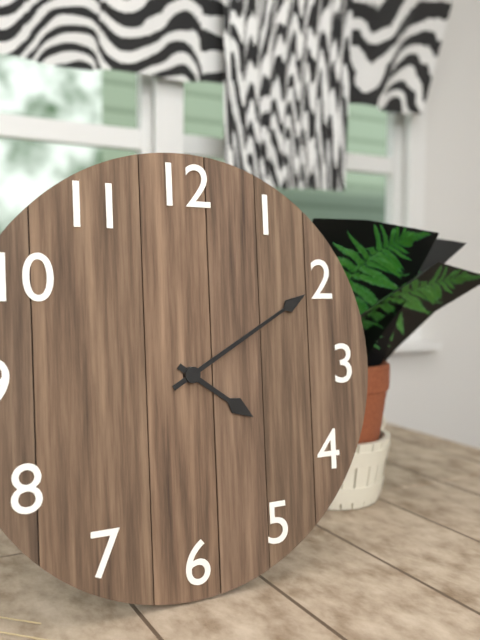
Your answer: **4:10**
